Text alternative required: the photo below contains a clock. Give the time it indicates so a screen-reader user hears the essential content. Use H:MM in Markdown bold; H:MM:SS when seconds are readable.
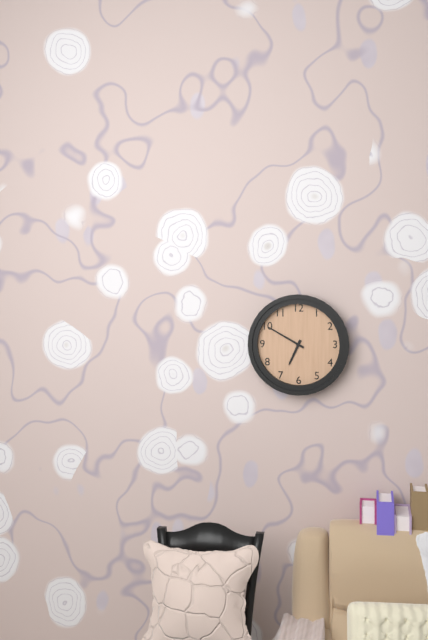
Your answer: **6:50**
